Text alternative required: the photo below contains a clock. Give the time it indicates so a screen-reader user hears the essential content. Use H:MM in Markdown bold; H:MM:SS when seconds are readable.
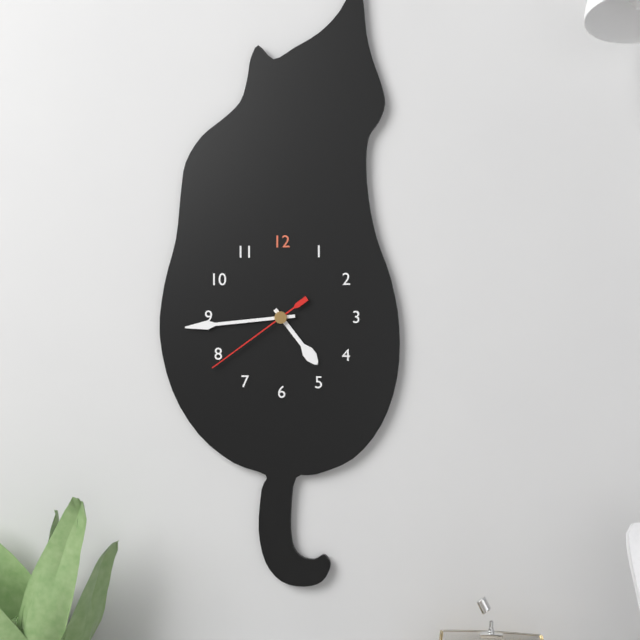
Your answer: **4:44:39**
